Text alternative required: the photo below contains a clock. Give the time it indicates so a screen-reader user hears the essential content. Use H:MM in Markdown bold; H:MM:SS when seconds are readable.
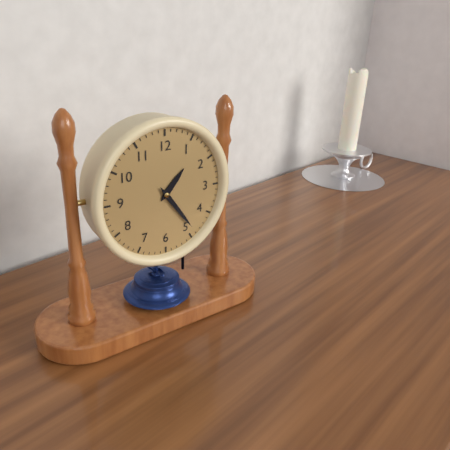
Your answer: **1:24**
